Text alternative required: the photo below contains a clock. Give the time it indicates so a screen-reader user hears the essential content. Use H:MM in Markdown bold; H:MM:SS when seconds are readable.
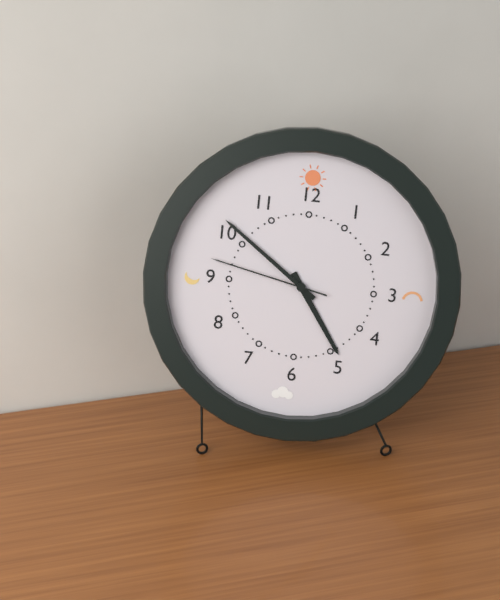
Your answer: **4:51:47**
